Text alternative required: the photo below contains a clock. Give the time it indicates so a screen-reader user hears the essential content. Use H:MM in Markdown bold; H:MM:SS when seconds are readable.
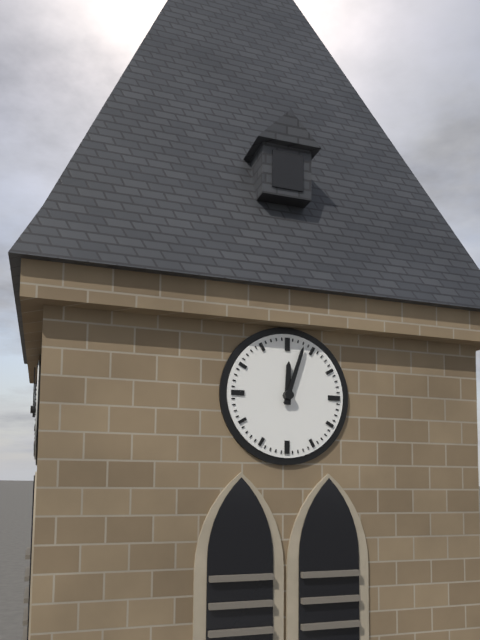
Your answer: **12:03**
